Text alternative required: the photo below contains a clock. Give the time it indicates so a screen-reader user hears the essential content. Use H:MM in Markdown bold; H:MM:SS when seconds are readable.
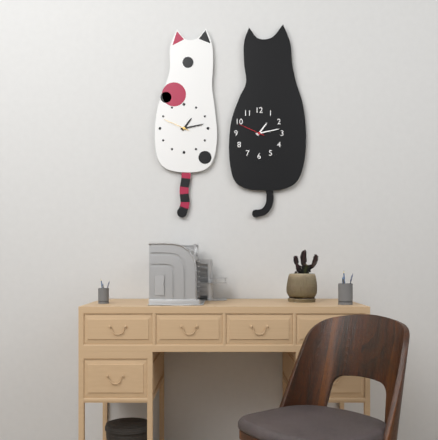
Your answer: **1:13**
